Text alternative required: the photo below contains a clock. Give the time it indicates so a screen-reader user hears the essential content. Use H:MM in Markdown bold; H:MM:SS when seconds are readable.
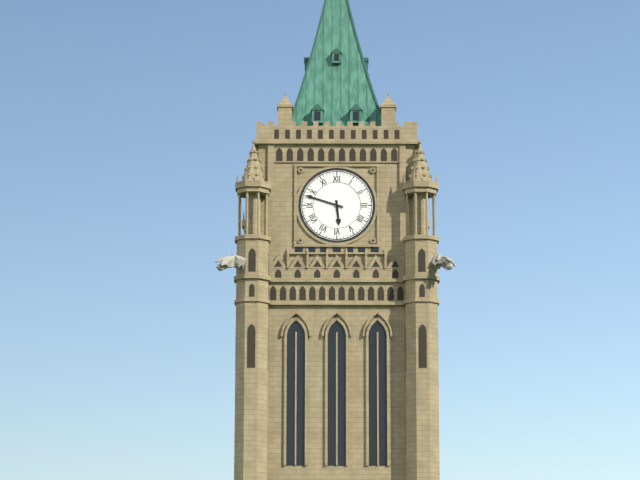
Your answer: **5:48**
